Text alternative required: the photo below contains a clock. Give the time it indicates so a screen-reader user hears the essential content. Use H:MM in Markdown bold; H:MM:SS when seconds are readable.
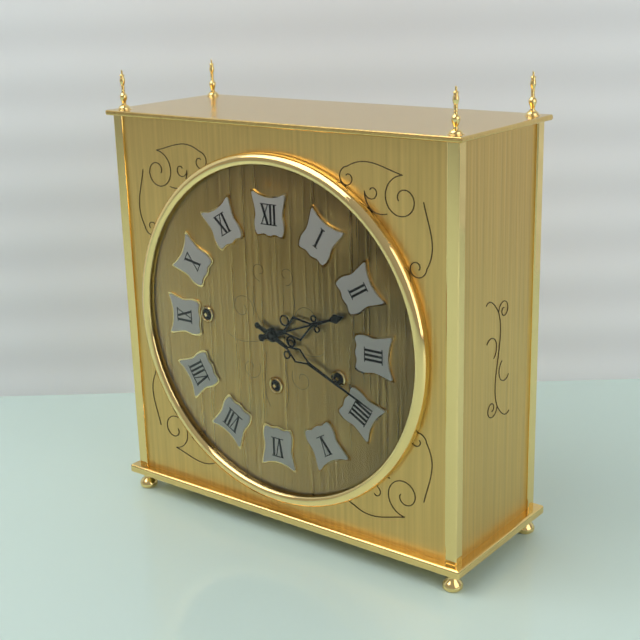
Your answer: **2:19**
